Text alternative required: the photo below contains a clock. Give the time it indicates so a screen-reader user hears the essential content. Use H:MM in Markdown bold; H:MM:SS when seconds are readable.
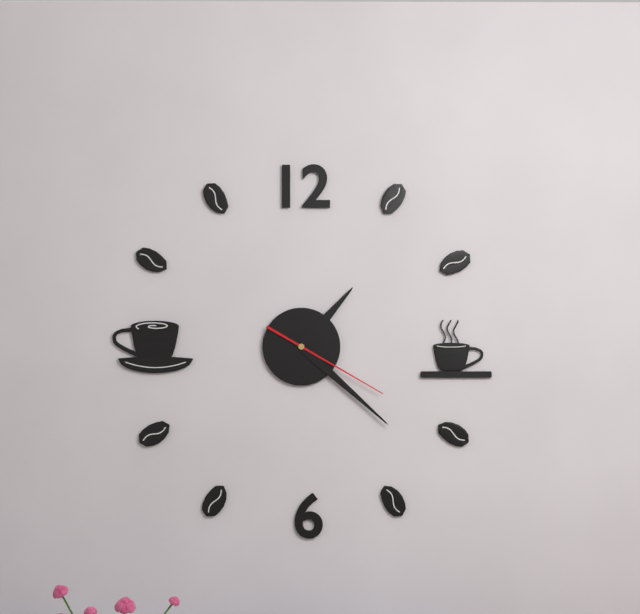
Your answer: **1:22:20**
